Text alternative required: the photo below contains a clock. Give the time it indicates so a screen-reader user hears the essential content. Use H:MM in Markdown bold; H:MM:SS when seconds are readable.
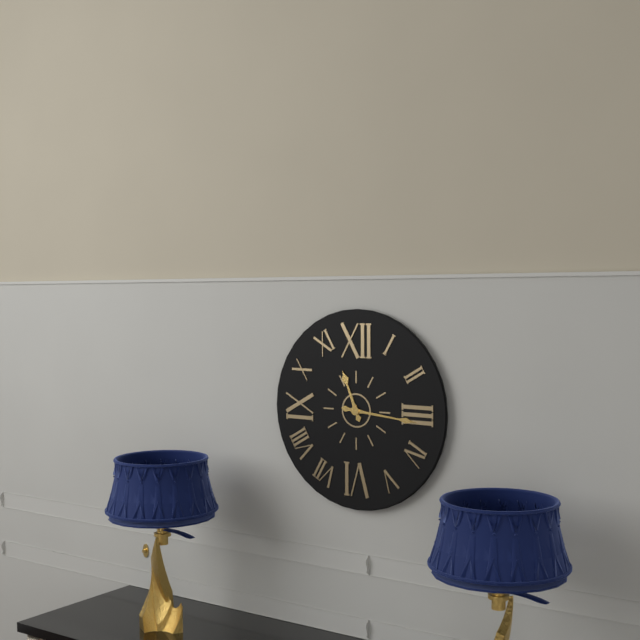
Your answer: **11:16**
